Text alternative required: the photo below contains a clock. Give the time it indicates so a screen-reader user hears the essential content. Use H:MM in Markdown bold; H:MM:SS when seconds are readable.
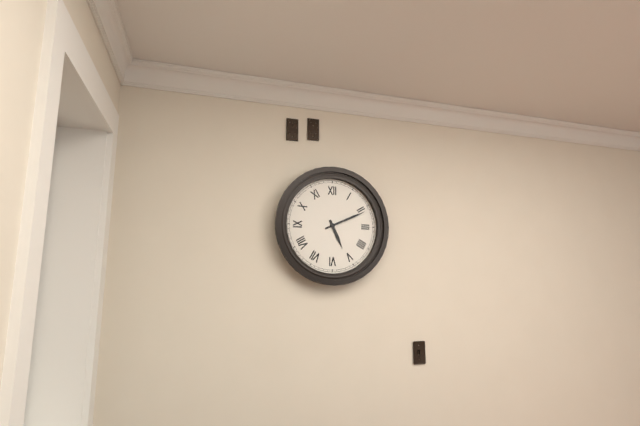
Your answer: **5:11**
